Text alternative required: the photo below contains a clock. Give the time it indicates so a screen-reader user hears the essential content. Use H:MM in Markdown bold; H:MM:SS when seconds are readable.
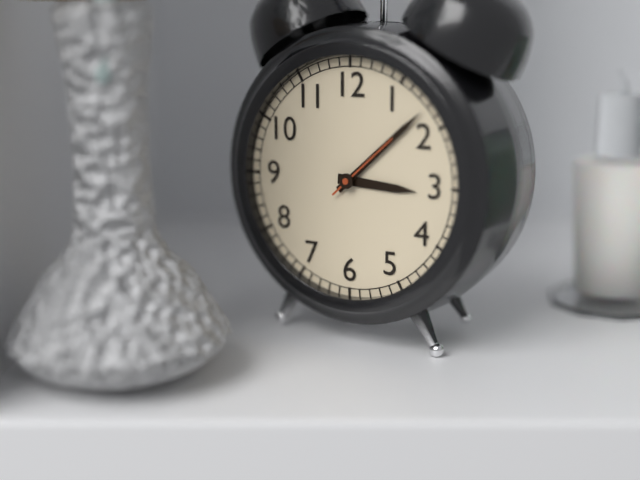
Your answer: **3:08:08**
